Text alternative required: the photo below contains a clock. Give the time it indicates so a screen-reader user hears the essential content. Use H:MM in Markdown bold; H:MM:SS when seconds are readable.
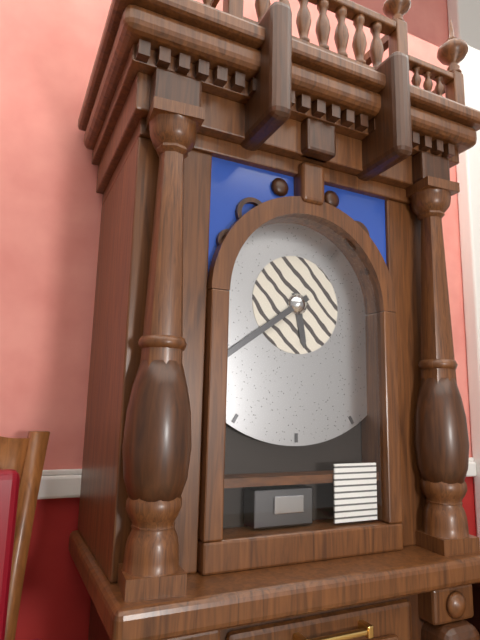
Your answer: **5:39**
